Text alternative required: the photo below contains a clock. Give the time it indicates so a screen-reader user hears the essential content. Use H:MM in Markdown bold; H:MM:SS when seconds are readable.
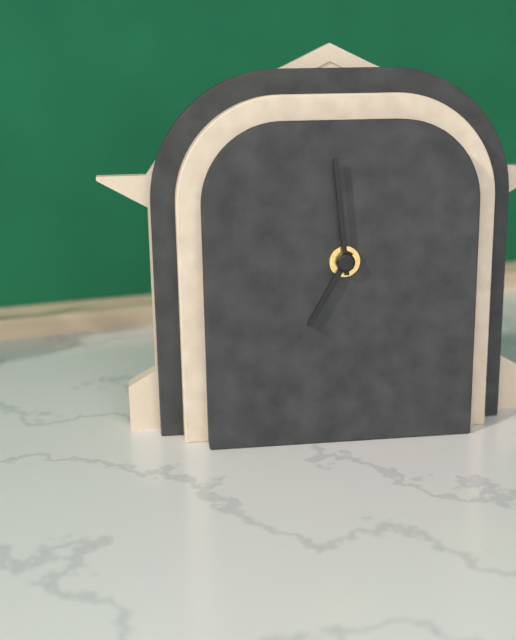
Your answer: **6:59**
